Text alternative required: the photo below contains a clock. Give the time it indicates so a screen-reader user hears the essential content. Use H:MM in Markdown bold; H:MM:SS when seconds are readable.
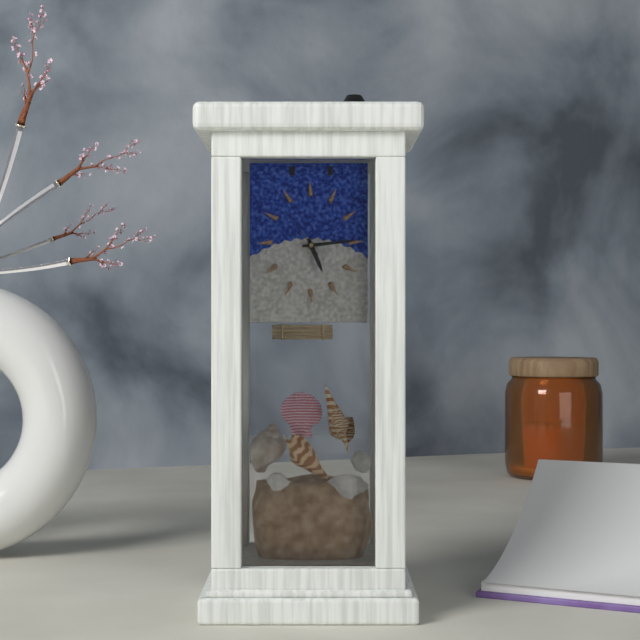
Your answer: **5:14:54**
